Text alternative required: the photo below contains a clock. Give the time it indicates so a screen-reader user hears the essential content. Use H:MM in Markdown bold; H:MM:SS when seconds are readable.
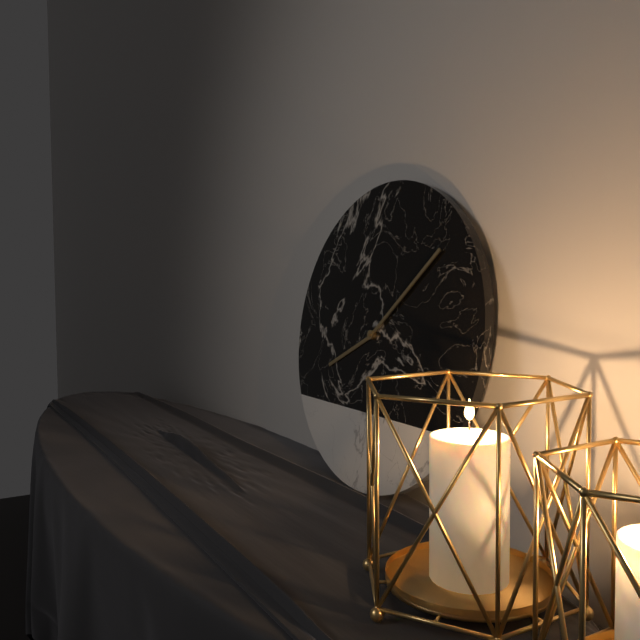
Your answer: **8:08**
